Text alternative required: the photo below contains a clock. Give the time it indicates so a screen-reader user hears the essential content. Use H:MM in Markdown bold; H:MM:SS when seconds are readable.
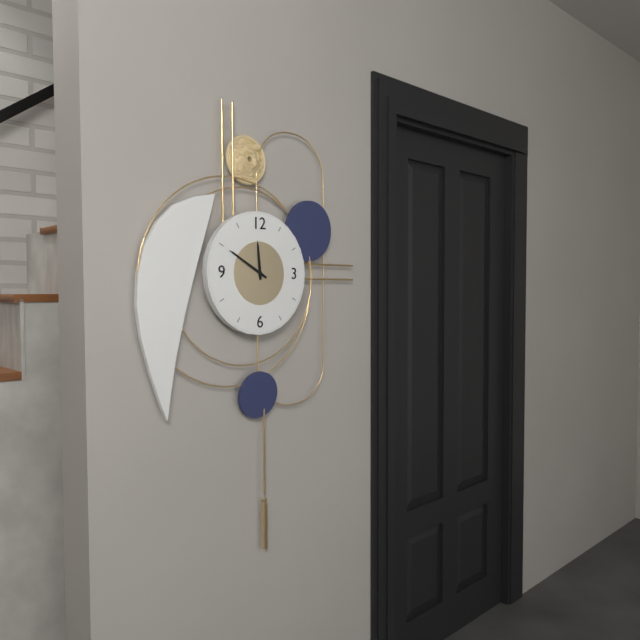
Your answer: **11:50**
